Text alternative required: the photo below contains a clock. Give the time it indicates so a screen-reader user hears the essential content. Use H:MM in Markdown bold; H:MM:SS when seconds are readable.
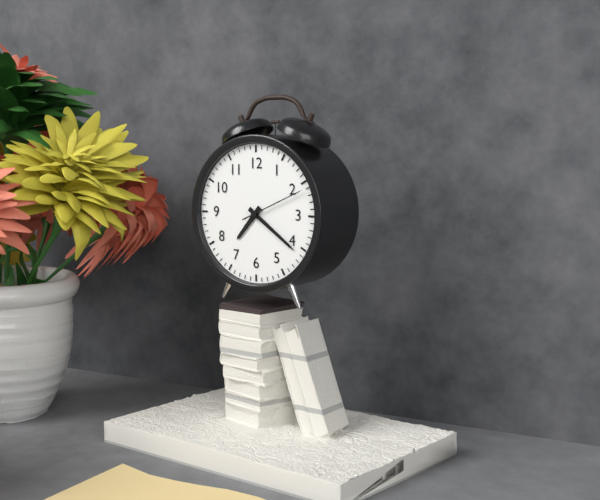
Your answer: **7:21:11**
